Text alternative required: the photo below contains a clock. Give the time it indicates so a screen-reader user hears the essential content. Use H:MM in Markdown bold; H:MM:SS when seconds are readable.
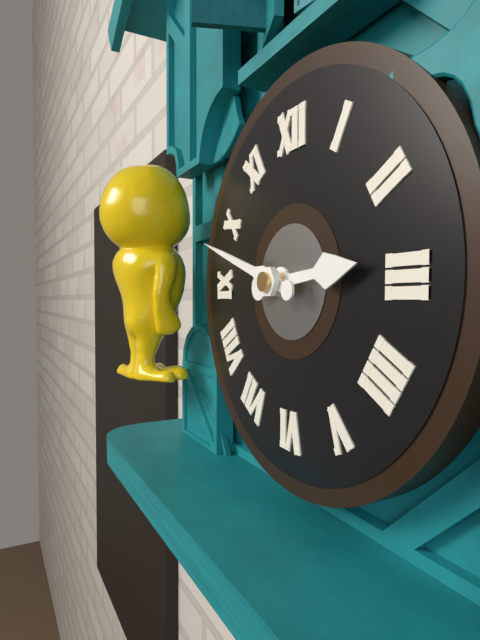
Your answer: **2:48**
